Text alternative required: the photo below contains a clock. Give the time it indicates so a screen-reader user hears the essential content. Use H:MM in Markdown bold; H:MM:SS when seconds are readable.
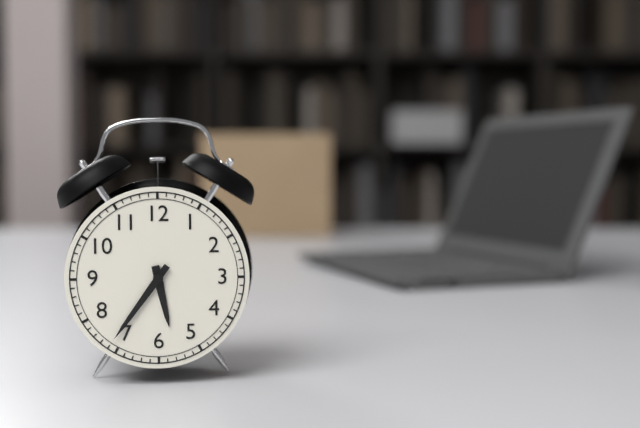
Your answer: **5:36**
